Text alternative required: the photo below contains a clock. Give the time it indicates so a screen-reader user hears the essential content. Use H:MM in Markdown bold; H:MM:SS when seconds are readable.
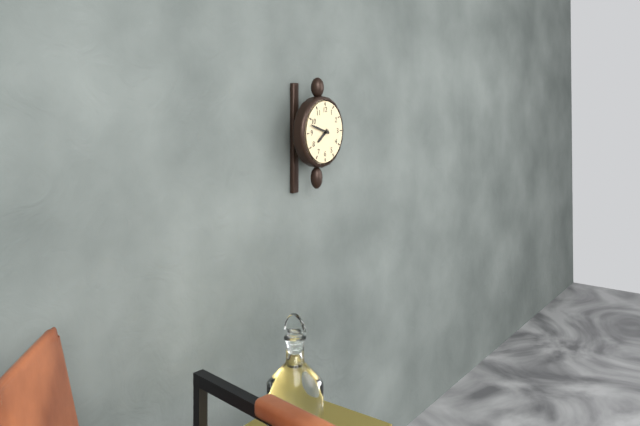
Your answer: **7:48**
